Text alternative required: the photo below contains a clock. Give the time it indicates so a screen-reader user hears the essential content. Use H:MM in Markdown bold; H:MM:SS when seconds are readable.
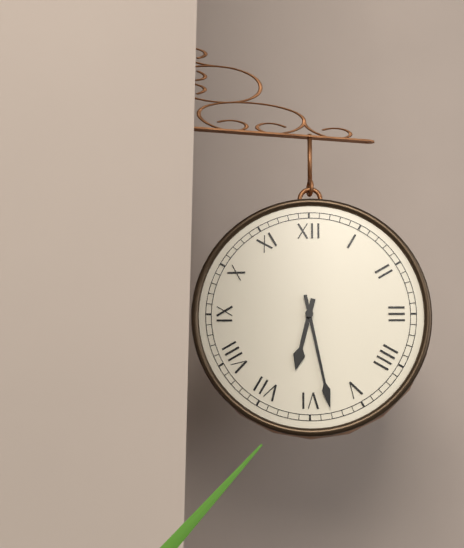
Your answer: **6:28**
